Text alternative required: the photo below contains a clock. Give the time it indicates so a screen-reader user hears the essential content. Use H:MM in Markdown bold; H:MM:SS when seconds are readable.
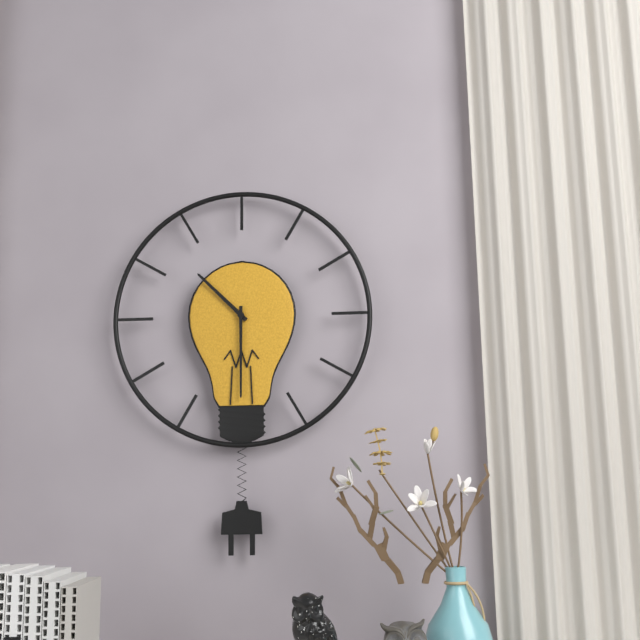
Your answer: **10:30**
